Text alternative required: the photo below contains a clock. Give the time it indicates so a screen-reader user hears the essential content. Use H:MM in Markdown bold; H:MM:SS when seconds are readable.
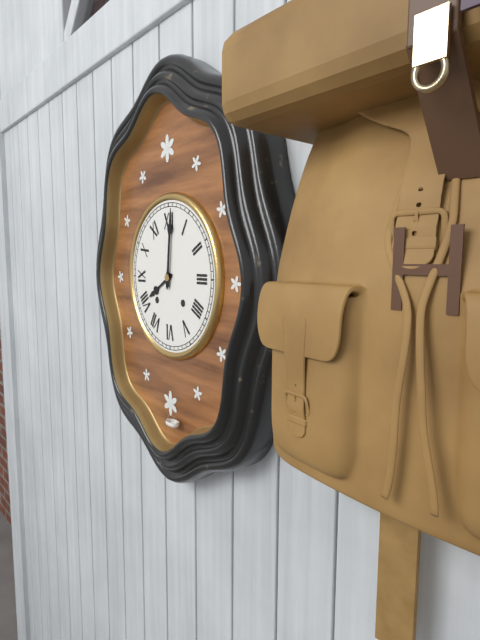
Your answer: **8:01**
